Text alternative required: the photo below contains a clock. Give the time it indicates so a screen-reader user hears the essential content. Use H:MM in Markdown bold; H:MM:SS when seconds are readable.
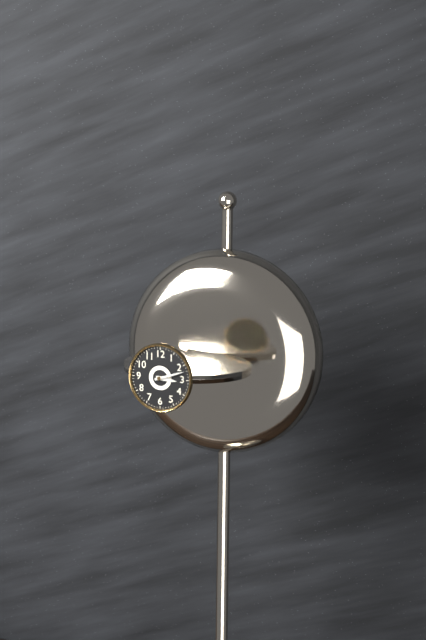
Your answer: **3:12**
